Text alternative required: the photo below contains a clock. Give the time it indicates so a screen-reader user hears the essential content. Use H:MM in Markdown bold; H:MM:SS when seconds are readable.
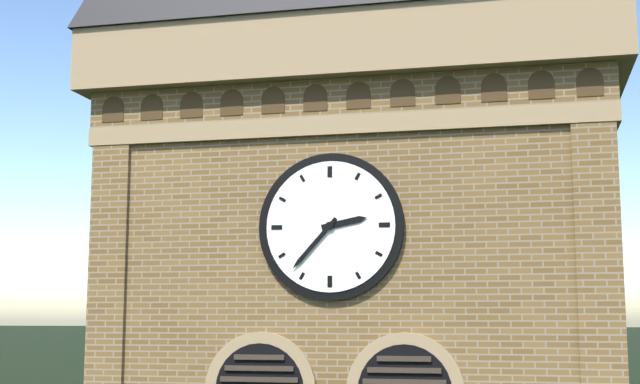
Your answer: **2:37**
